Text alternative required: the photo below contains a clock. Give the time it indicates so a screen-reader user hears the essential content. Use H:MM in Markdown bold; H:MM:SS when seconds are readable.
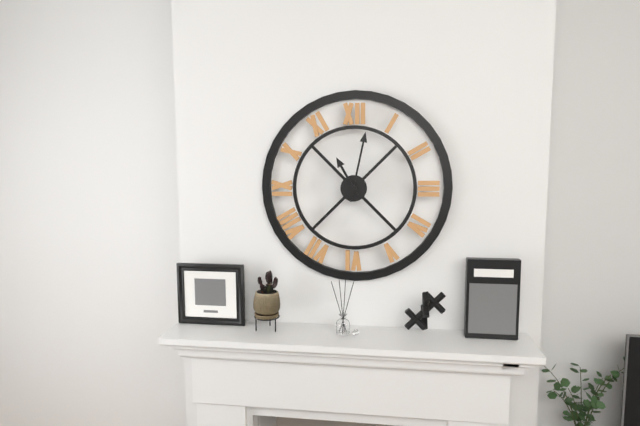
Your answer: **11:02**
